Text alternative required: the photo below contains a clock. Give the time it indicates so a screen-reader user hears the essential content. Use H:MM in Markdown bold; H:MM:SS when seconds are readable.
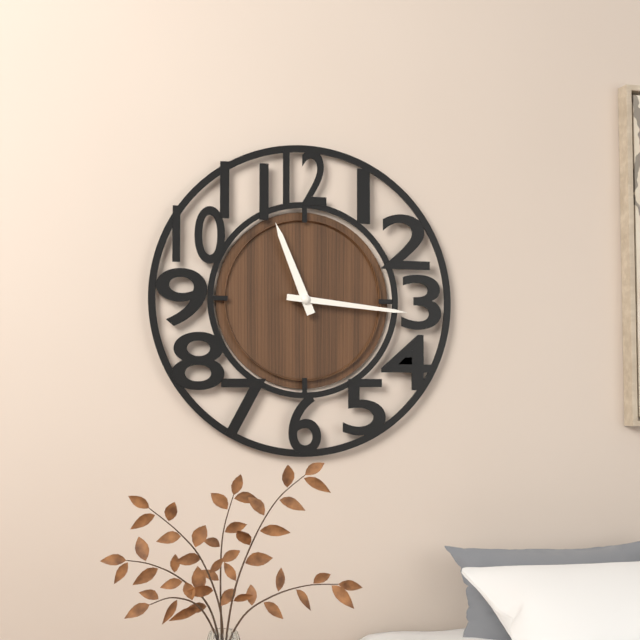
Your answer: **11:16**
